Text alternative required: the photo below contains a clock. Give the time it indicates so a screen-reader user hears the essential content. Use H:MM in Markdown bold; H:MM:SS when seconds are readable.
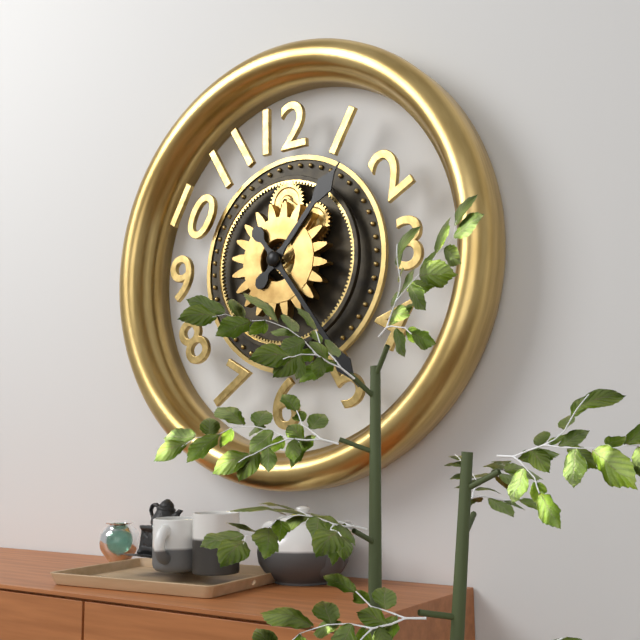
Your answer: **1:24**
